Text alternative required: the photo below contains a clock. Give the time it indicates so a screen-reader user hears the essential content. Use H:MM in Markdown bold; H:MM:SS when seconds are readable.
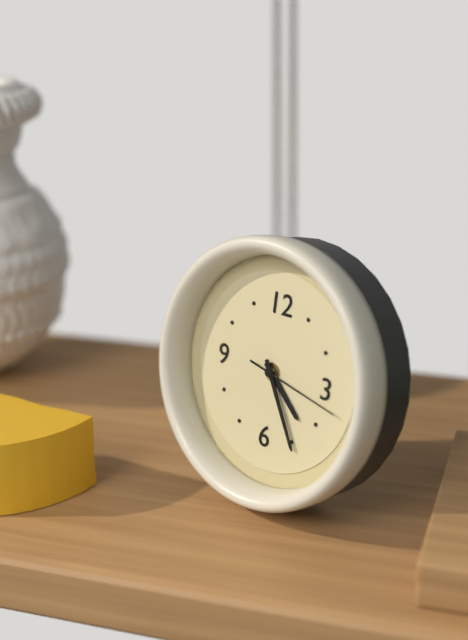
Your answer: **4:25:17**
